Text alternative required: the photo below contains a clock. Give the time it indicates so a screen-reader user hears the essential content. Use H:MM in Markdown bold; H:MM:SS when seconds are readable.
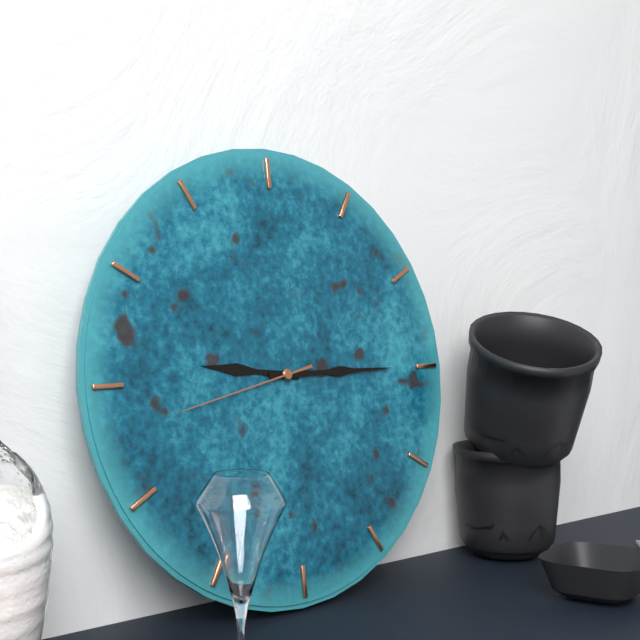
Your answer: **9:15:43**
